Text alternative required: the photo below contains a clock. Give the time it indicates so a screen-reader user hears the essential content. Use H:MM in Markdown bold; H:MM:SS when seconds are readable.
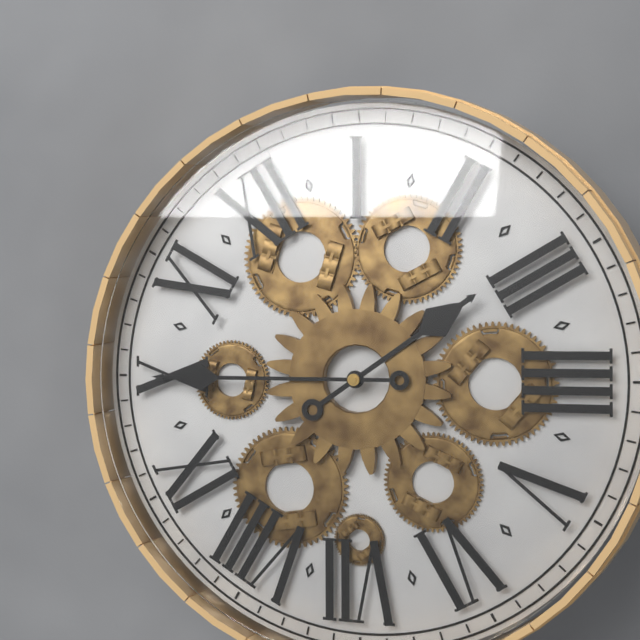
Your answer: **2:50**
